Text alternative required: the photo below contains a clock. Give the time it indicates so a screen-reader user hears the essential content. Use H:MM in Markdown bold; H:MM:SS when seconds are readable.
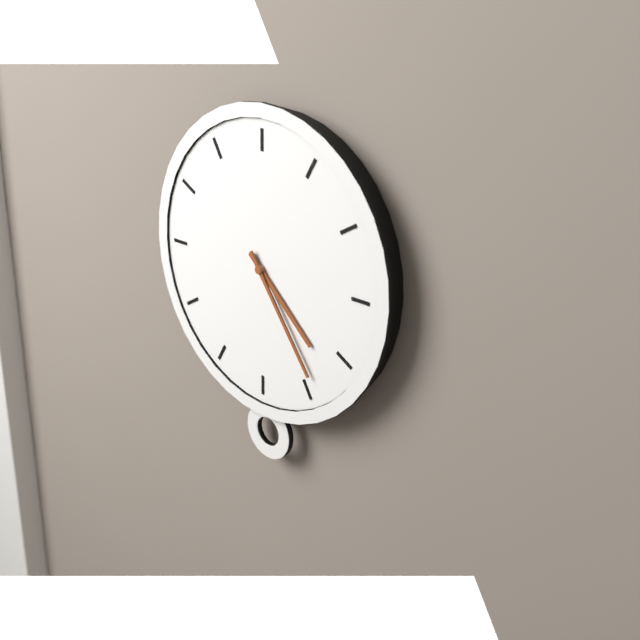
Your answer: **4:24**
